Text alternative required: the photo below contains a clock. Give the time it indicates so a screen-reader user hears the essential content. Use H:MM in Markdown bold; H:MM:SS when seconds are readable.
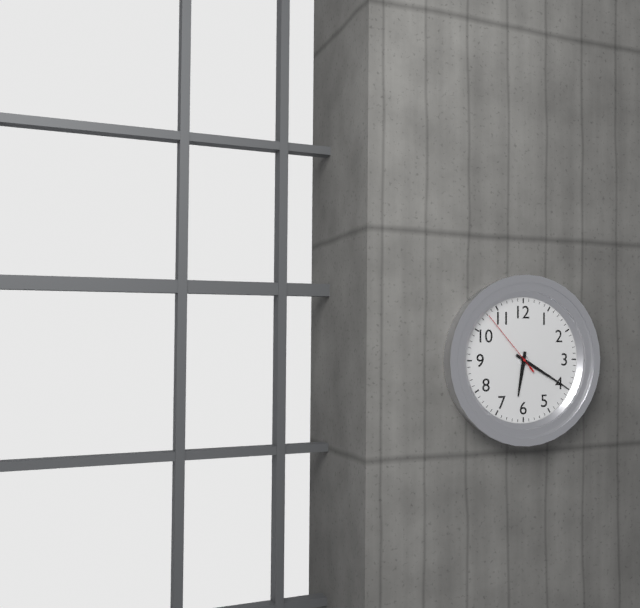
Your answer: **6:20:53**
